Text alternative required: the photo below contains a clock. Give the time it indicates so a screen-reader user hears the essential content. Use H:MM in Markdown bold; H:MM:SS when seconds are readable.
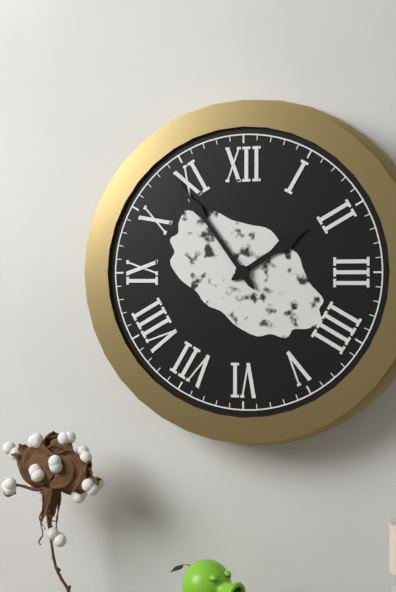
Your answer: **1:54**
